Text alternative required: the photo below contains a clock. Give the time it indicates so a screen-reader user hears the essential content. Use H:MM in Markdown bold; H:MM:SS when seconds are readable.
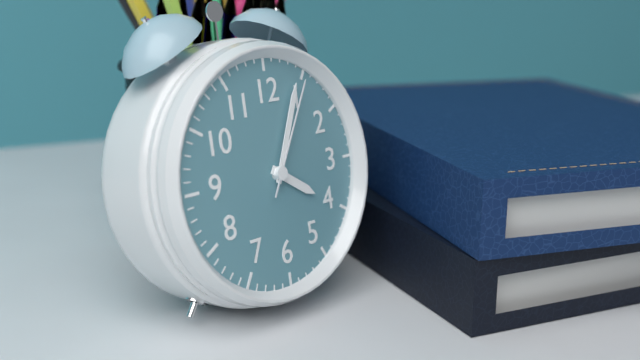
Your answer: **4:04:05**
